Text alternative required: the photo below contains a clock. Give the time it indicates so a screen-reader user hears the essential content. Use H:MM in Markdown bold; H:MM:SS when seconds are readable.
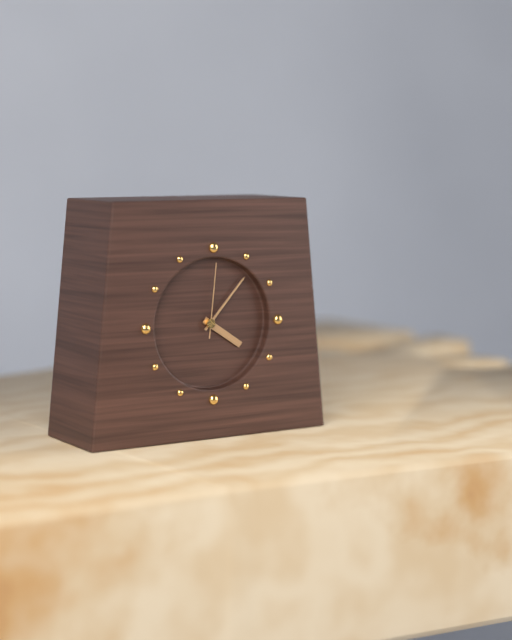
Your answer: **4:07:01**
